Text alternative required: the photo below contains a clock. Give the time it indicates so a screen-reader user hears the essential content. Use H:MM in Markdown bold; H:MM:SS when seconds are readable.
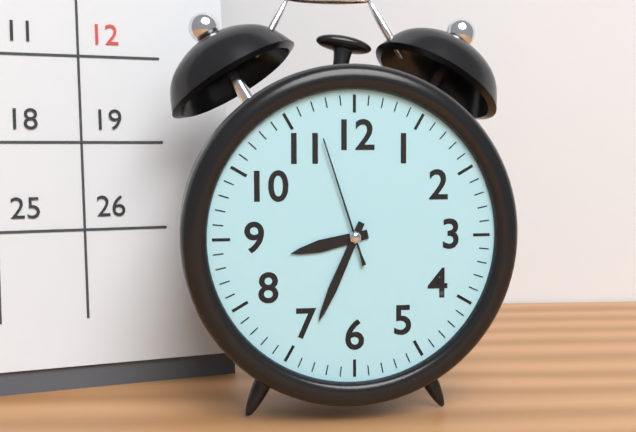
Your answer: **8:34:57**
